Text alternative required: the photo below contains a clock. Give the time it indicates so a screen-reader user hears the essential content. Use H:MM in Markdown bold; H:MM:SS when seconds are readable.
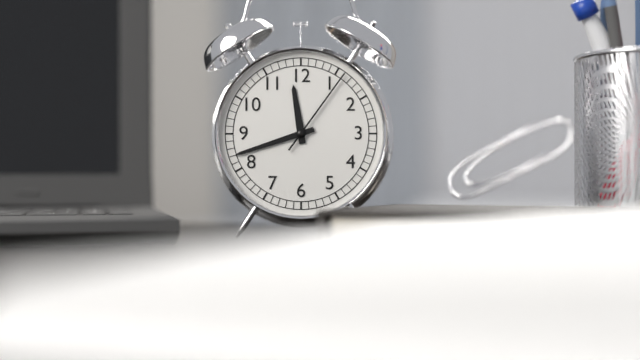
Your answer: **11:42:06**
